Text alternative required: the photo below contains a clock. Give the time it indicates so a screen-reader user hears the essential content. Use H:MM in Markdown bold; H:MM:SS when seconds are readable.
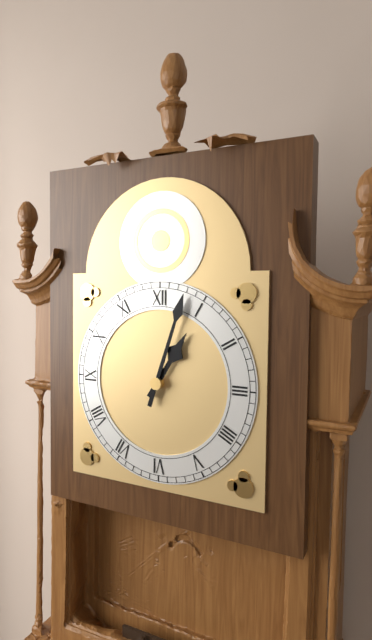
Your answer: **1:03**
